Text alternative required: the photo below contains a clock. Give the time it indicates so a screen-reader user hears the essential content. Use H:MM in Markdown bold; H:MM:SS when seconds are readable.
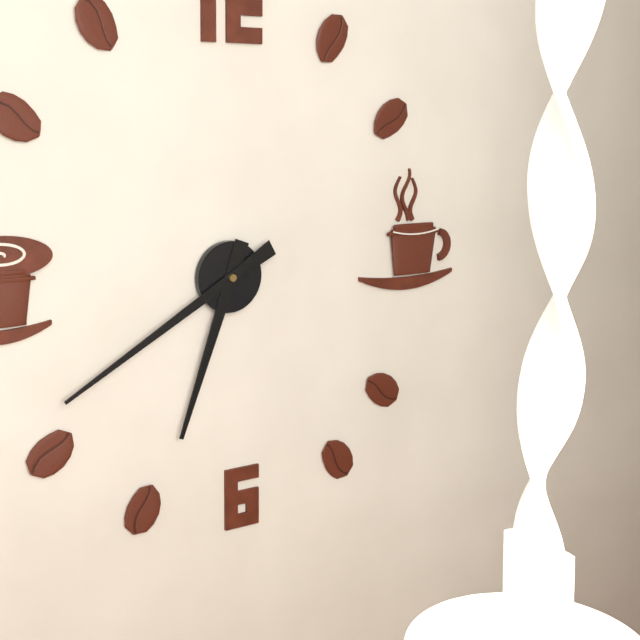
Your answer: **6:40**
